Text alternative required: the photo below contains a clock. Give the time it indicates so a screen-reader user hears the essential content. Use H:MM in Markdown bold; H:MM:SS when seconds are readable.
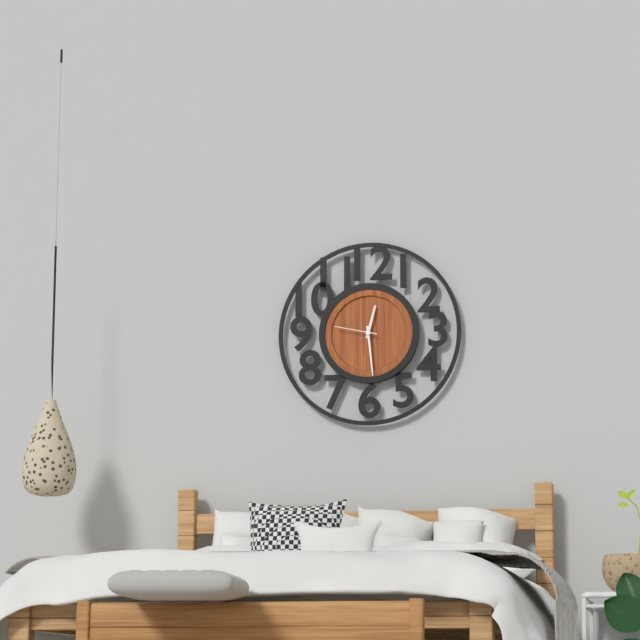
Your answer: **12:29**
